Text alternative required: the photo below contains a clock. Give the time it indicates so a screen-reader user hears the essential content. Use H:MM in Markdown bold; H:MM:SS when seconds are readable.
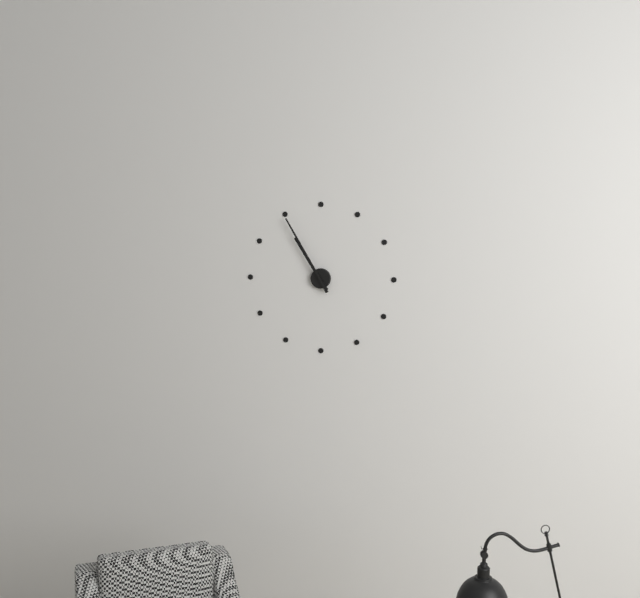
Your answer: **10:55**
